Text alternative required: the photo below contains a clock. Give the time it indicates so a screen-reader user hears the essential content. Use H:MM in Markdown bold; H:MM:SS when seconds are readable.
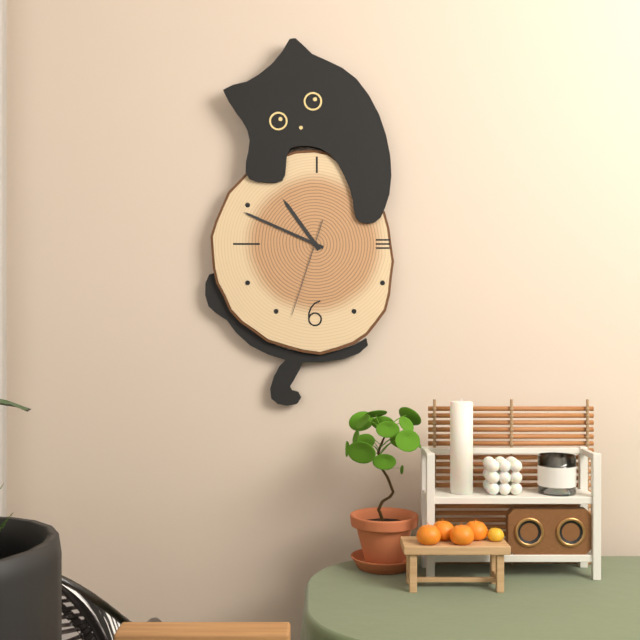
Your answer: **10:49:33**
